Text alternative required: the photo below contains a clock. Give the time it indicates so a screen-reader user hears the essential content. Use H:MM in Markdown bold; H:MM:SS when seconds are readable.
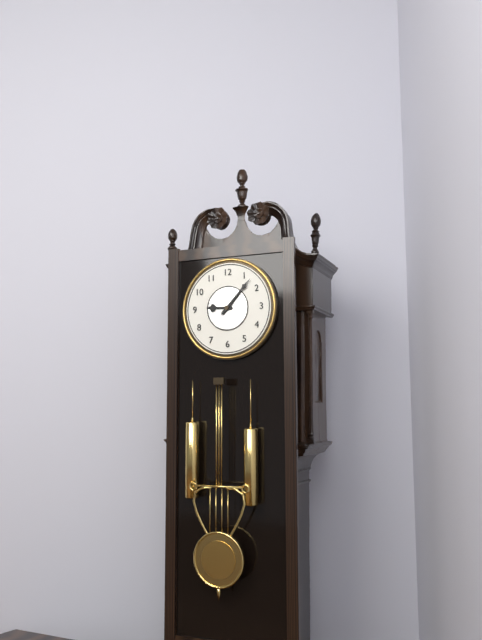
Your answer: **9:07**
